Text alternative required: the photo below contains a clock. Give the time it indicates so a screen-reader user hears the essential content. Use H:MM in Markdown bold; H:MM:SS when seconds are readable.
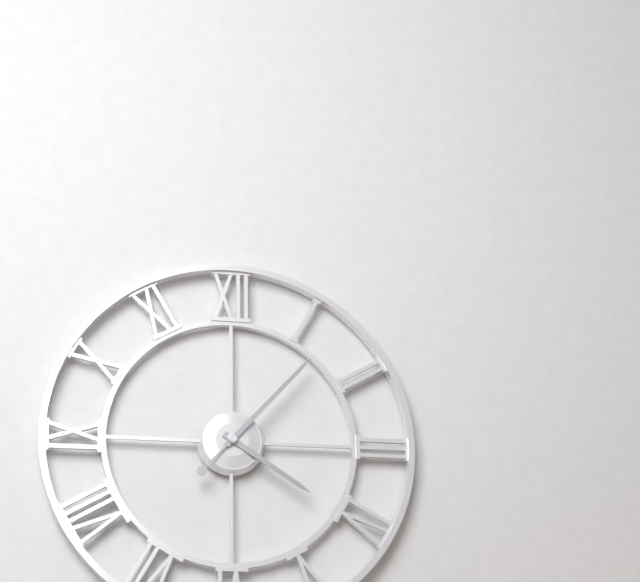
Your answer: **4:07**
